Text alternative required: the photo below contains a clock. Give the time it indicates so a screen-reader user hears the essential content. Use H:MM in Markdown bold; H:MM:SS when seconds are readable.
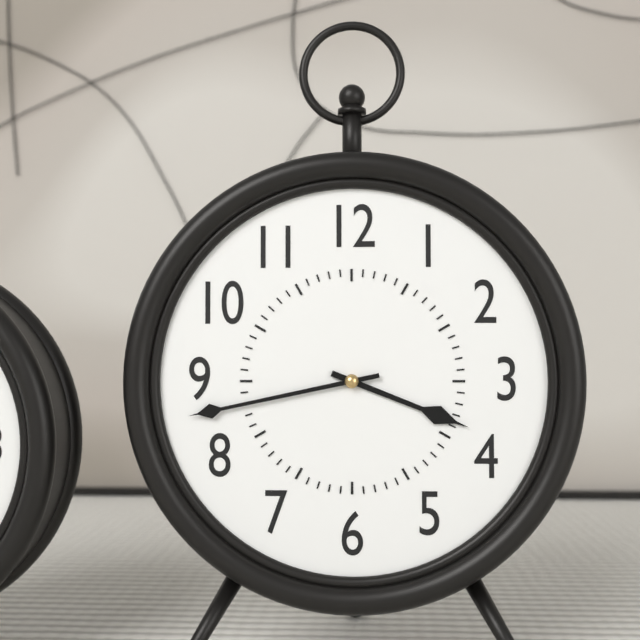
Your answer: **3:43**
